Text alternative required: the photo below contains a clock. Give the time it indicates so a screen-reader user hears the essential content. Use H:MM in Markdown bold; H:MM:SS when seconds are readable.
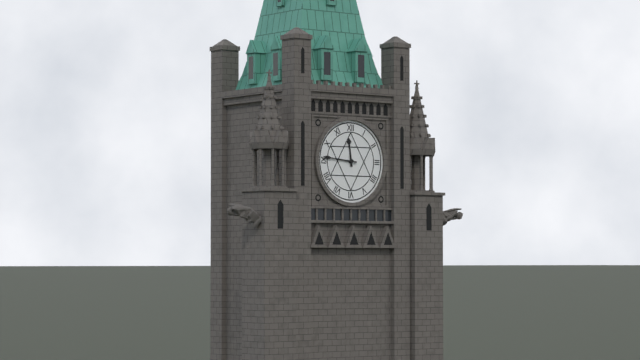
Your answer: **11:46**
